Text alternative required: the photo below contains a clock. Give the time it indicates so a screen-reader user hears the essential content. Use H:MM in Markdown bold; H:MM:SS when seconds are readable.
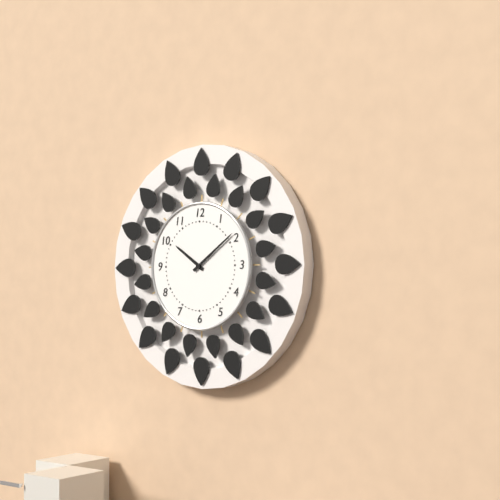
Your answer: **10:09**
